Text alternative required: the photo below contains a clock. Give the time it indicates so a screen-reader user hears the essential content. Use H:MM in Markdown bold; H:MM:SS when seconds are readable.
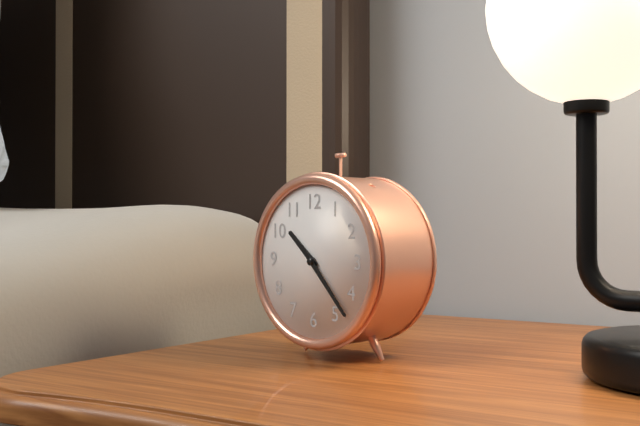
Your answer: **10:23**
